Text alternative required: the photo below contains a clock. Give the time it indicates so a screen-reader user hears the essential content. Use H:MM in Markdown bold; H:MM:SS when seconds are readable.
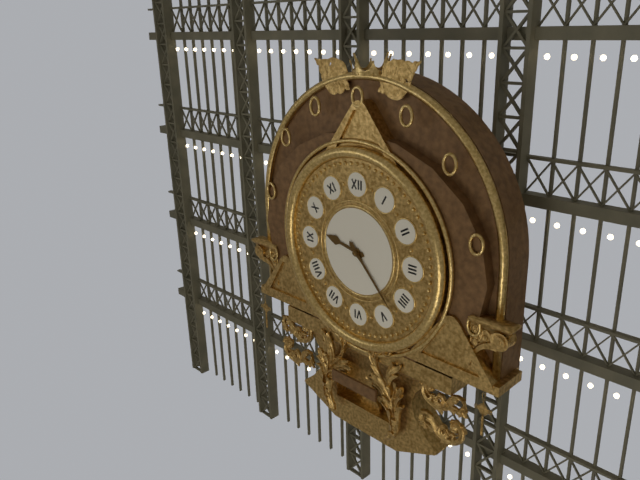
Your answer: **9:23**
